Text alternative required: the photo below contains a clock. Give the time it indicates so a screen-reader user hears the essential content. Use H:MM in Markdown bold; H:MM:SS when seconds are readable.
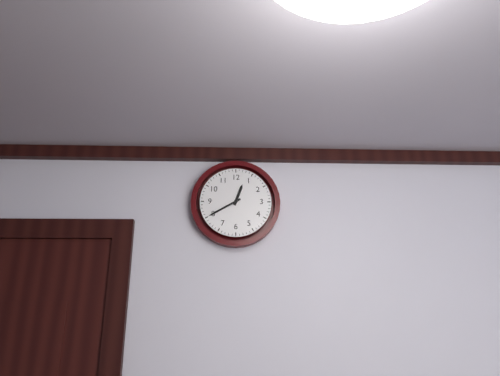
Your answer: **12:40**
